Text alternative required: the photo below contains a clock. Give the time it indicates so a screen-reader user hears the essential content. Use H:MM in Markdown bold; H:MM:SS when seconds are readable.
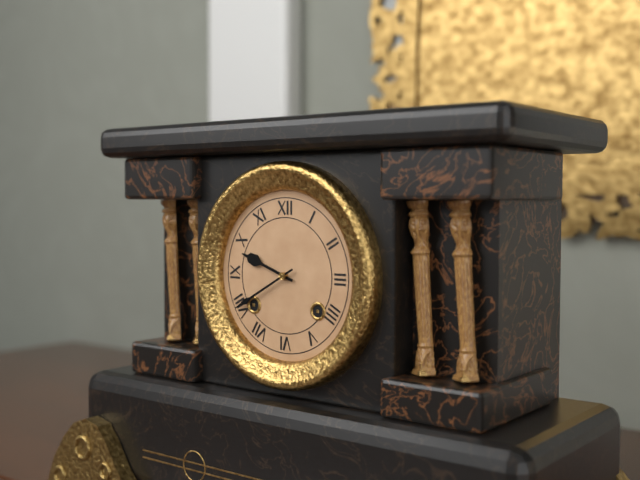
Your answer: **9:40**
